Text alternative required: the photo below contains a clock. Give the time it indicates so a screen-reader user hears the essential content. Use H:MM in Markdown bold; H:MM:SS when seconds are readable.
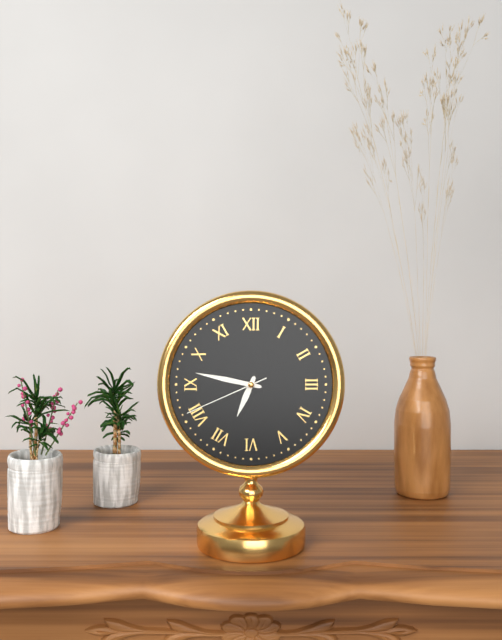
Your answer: **6:47:41**
